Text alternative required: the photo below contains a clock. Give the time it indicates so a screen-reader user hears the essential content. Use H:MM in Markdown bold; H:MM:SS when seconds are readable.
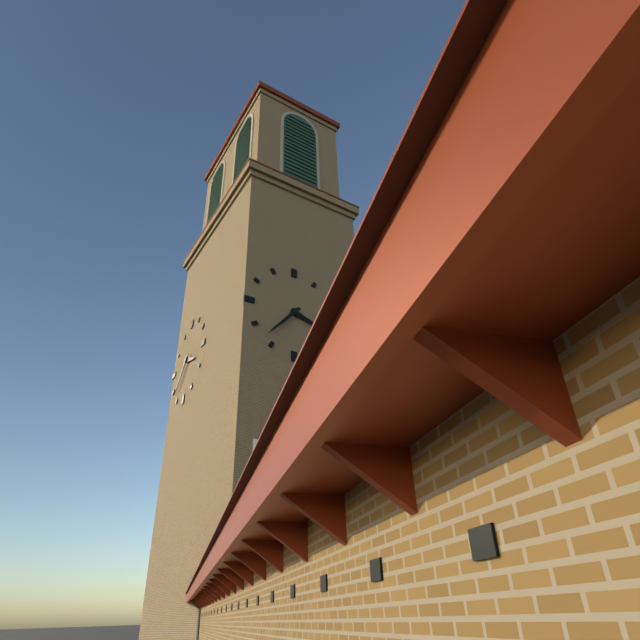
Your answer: **3:37**
